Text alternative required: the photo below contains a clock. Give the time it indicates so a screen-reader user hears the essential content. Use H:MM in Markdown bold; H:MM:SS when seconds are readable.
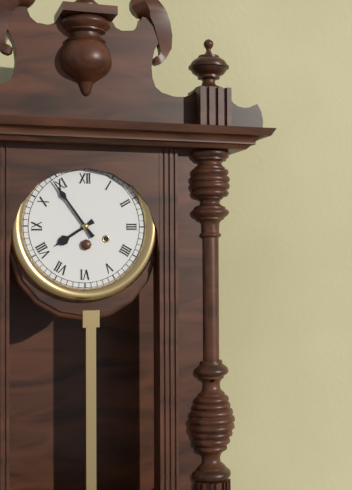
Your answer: **7:54**
